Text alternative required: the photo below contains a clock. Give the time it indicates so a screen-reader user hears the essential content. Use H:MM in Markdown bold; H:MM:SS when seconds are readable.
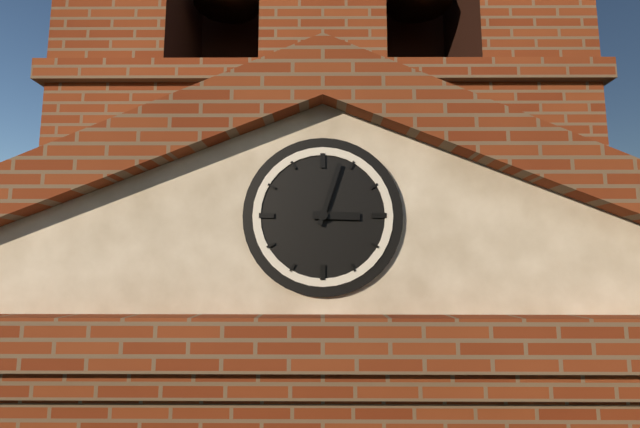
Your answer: **3:03**
